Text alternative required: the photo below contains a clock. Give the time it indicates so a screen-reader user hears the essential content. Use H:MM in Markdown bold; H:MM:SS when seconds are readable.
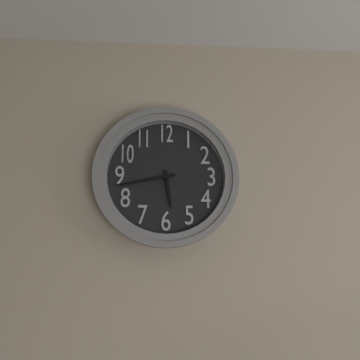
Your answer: **5:43**
